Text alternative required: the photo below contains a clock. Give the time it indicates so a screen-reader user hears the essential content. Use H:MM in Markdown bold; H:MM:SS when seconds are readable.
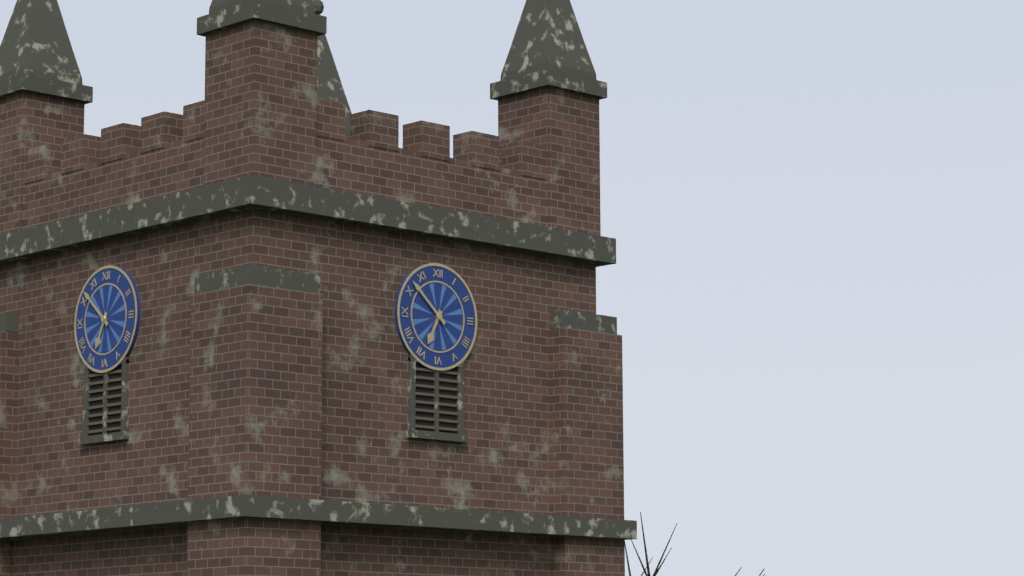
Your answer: **6:52**
